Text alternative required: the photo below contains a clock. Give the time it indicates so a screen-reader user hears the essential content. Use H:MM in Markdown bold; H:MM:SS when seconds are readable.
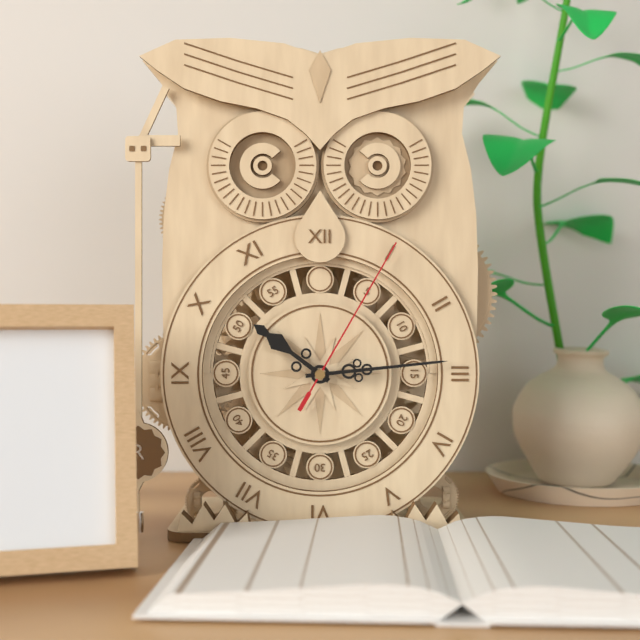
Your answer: **10:14:05**
